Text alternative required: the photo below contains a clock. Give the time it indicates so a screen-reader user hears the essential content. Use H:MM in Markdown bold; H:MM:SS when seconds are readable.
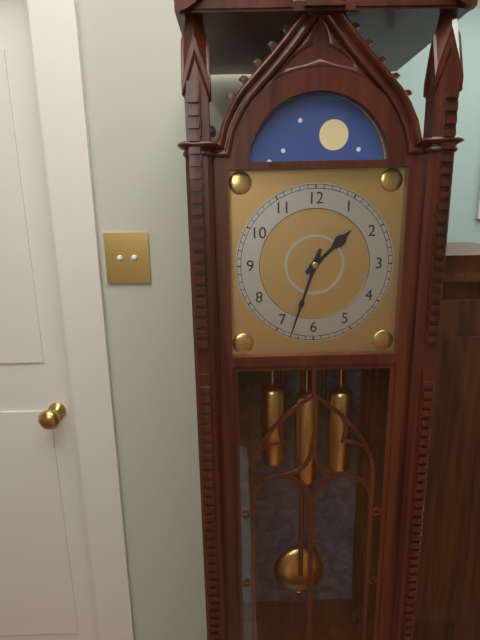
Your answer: **1:33**
